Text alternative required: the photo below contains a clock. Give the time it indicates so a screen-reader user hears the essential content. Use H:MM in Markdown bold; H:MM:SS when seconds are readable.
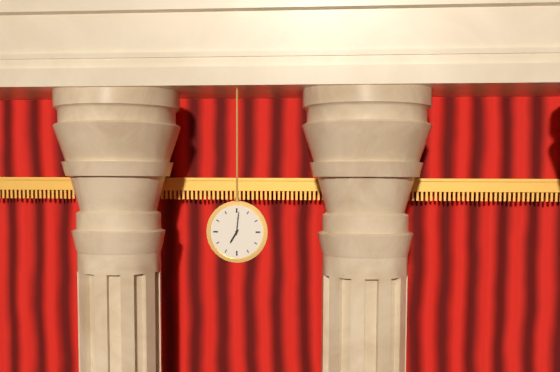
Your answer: **7:01**
